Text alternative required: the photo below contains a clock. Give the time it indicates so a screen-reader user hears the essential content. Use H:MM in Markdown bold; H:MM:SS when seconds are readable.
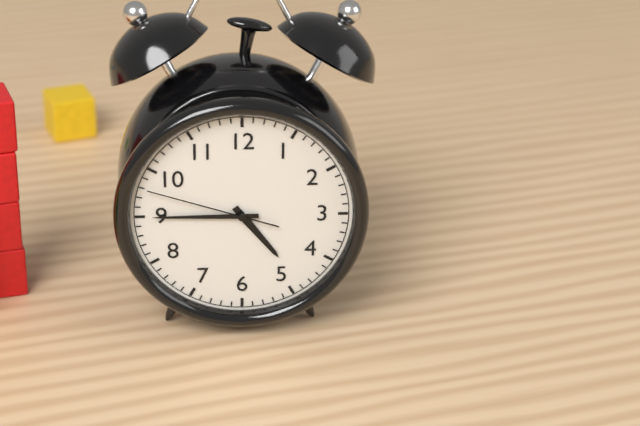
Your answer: **4:45:48**
